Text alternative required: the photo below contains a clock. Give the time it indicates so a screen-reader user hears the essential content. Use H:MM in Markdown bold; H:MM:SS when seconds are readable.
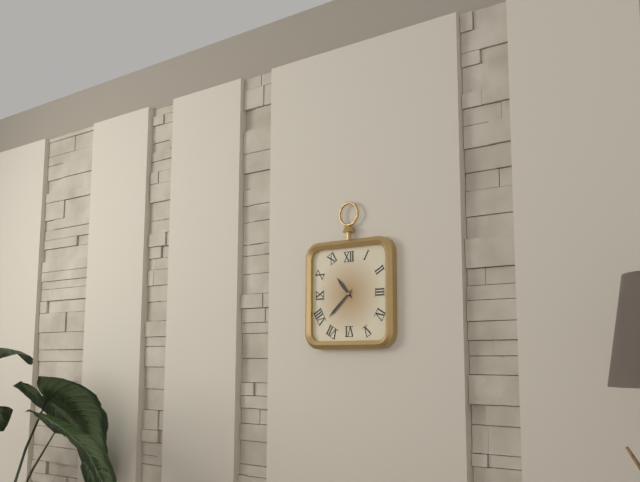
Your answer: **10:38**
